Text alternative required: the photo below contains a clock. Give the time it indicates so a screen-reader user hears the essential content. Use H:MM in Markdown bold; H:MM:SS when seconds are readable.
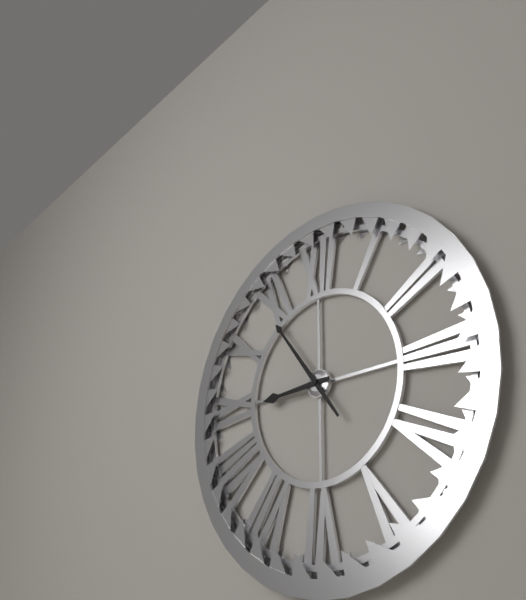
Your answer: **8:54**
